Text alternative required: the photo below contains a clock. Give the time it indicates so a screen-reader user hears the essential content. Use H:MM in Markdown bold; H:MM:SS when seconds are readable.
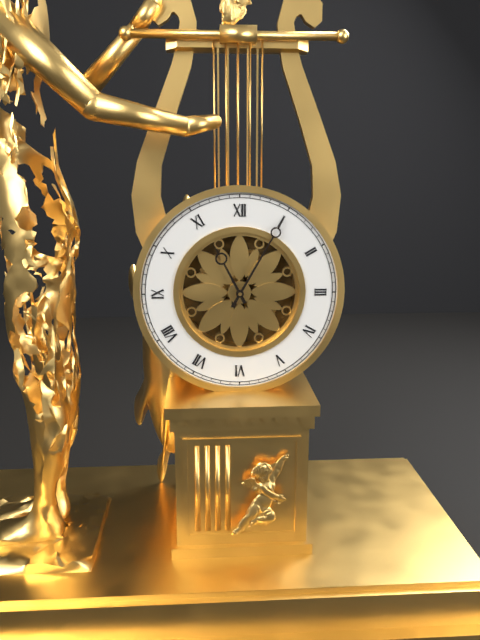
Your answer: **11:05**
